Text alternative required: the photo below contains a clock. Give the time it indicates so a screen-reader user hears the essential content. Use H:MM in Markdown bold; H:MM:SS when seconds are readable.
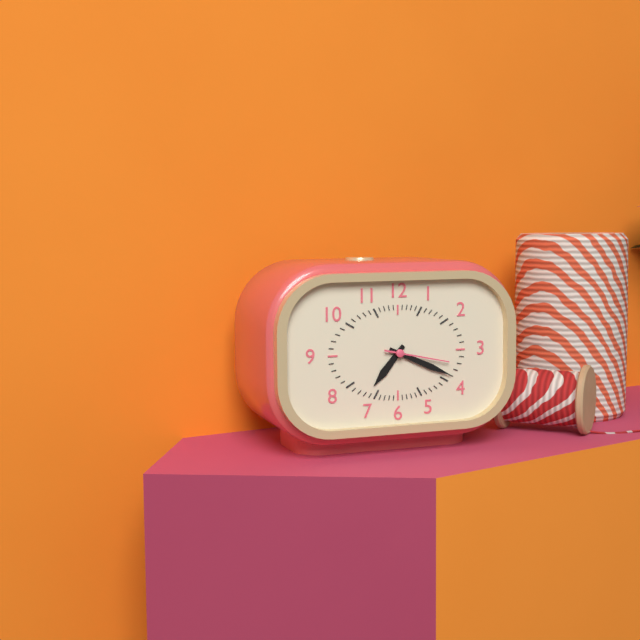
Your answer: **7:19:17**
